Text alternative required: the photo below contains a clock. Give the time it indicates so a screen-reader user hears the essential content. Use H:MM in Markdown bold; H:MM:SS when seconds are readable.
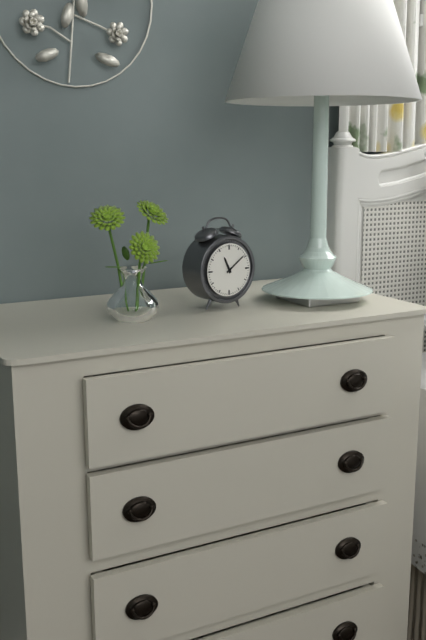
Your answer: **11:09**
